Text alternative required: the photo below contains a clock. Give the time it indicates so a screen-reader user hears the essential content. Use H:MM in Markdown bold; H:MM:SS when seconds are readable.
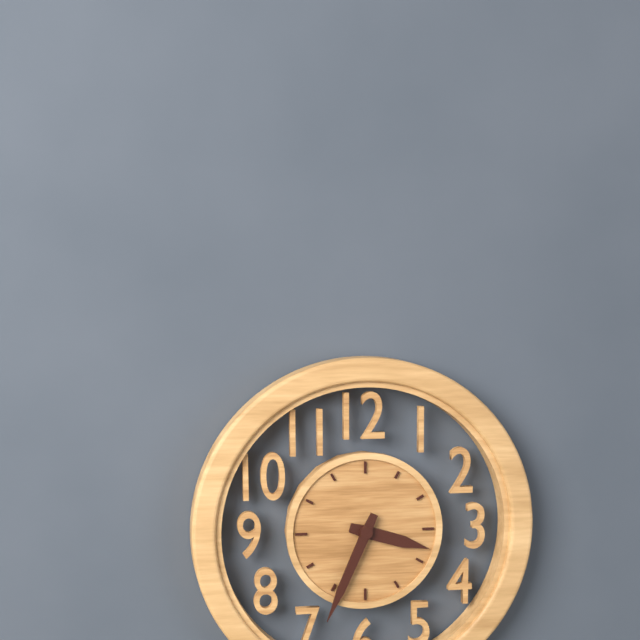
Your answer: **3:34**
